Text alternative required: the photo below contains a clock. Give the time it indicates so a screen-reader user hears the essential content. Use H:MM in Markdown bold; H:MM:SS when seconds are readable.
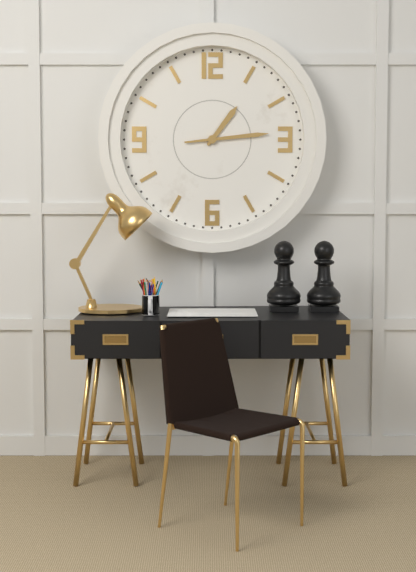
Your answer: **1:14**
